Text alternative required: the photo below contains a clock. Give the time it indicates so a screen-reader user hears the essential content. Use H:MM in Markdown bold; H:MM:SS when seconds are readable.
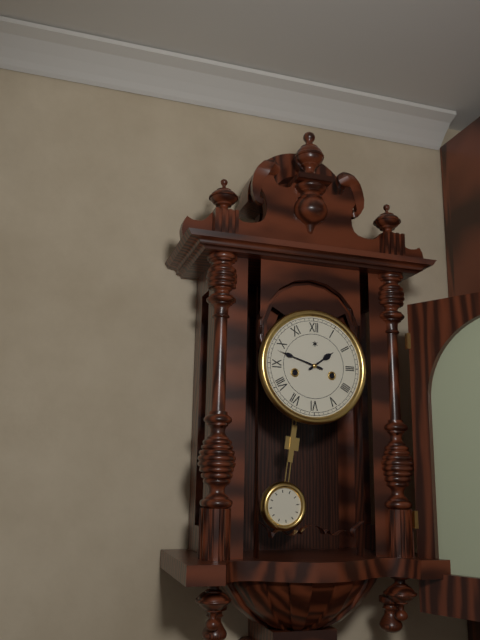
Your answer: **1:48**
